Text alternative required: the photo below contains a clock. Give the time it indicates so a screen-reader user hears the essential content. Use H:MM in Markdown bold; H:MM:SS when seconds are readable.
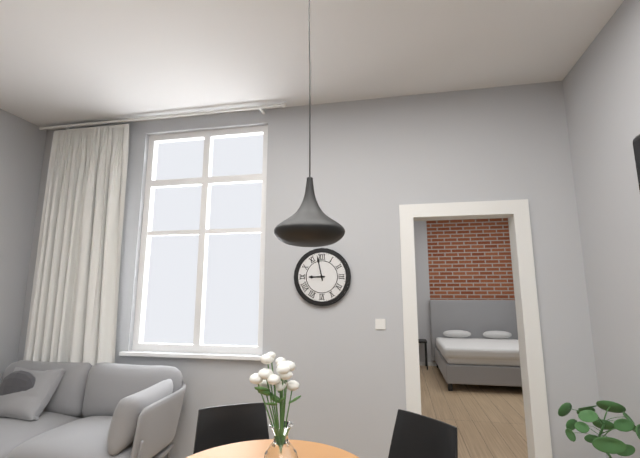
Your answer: **8:58**
